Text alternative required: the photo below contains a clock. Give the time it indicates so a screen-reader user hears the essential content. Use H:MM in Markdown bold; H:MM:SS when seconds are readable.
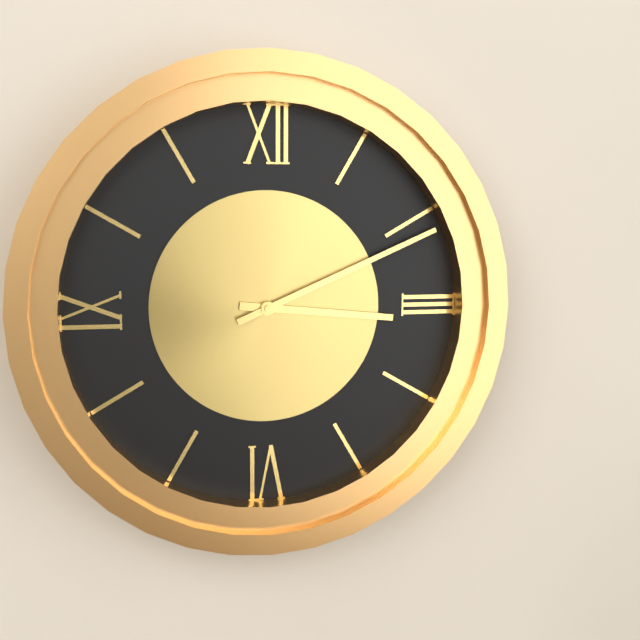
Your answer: **3:11**
